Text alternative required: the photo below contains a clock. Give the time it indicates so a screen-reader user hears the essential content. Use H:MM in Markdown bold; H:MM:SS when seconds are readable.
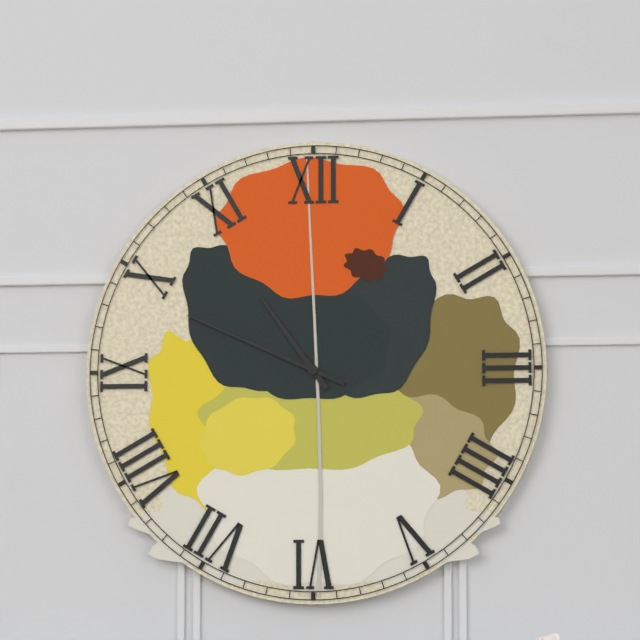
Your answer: **10:49**
